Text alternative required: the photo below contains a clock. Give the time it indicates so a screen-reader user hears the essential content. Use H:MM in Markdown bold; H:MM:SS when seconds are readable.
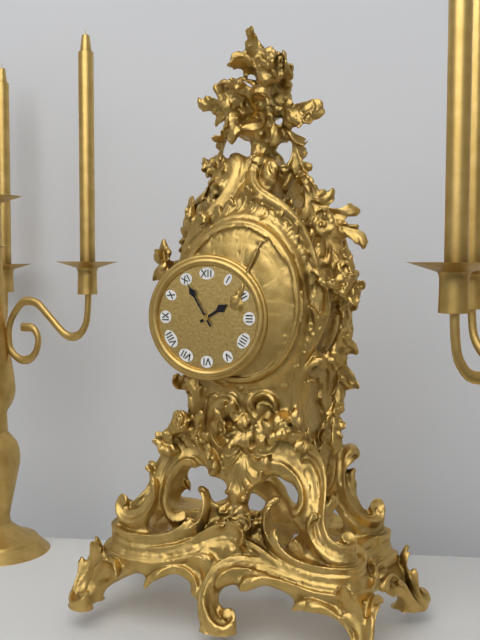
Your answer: **1:55**
